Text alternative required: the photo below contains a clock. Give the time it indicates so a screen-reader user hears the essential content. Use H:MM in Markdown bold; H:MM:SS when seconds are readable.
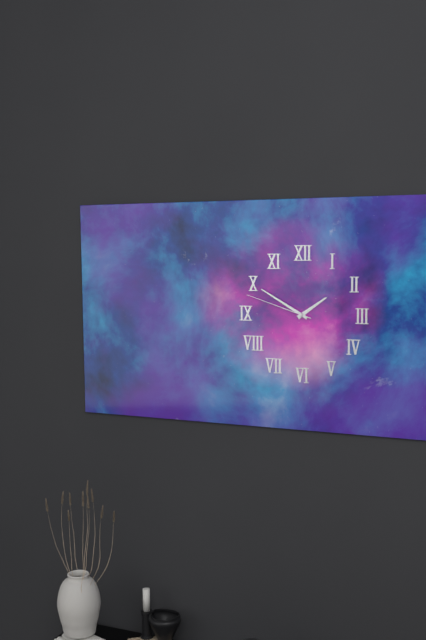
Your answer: **1:50:48**
